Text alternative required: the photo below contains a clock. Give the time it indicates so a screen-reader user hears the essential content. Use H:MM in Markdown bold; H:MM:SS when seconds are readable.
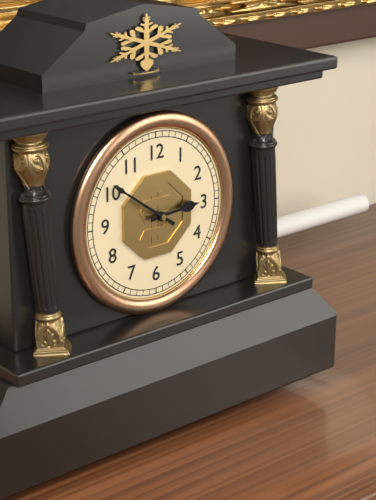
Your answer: **2:51**
